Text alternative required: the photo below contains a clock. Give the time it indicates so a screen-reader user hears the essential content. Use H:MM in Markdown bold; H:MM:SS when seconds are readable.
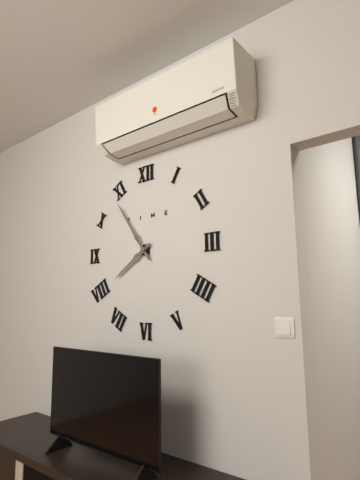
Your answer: **7:54**
